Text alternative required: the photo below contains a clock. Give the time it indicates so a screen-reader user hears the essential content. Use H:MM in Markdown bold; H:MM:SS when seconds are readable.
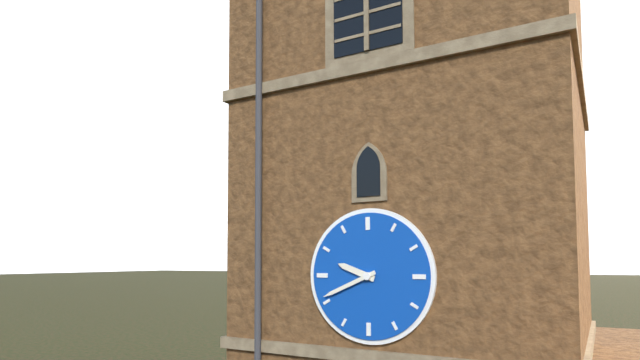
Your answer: **9:41**
